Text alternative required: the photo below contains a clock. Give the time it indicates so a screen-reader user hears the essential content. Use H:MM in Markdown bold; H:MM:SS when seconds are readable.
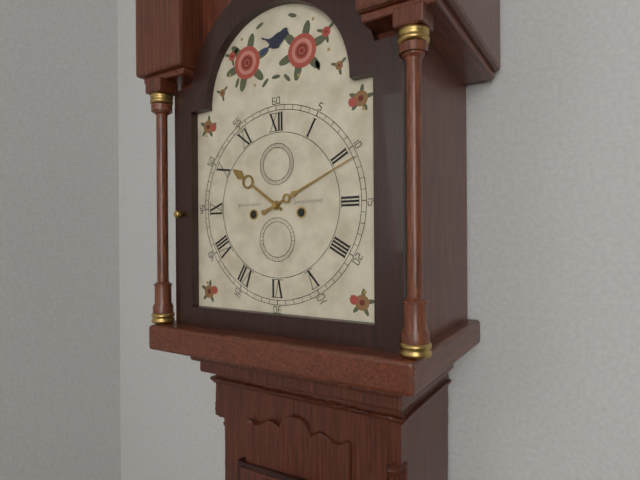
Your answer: **10:11**
